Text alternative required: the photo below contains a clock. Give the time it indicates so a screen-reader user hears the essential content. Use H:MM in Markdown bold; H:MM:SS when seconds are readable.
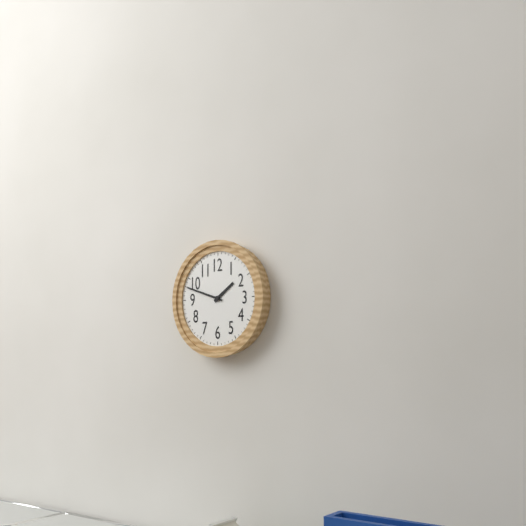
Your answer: **1:48**
